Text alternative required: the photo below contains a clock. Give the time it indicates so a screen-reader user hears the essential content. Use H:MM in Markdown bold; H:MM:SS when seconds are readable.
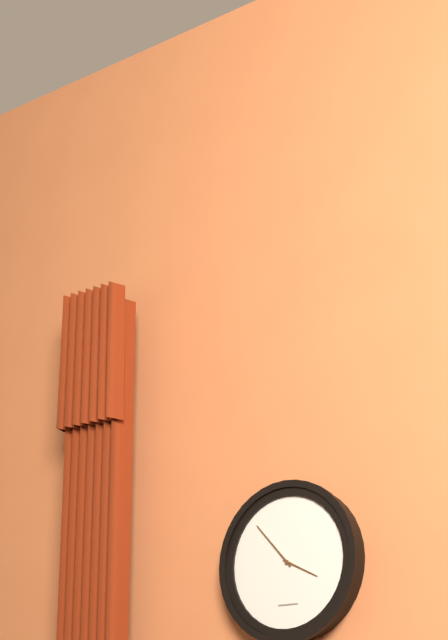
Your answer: **3:53**
